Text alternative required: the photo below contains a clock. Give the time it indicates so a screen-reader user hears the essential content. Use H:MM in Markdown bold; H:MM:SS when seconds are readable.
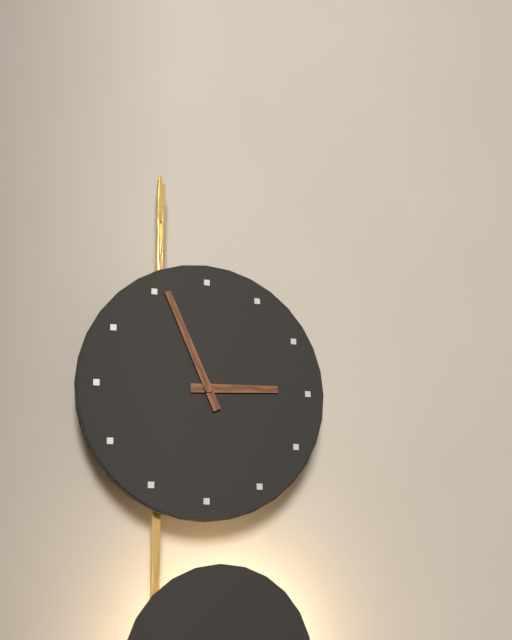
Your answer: **2:56**
